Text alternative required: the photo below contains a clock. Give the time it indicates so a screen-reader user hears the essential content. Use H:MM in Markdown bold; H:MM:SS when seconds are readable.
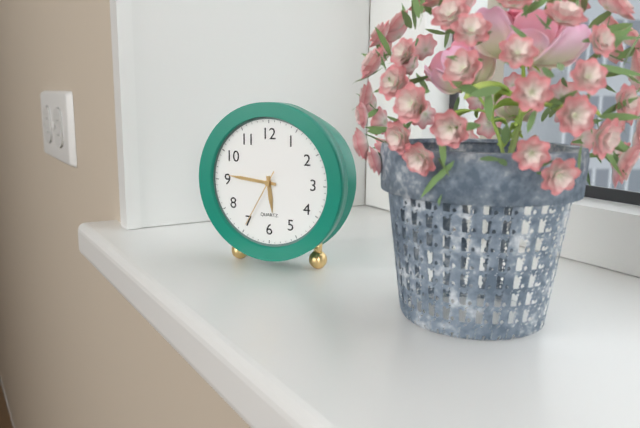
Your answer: **5:46:35**
